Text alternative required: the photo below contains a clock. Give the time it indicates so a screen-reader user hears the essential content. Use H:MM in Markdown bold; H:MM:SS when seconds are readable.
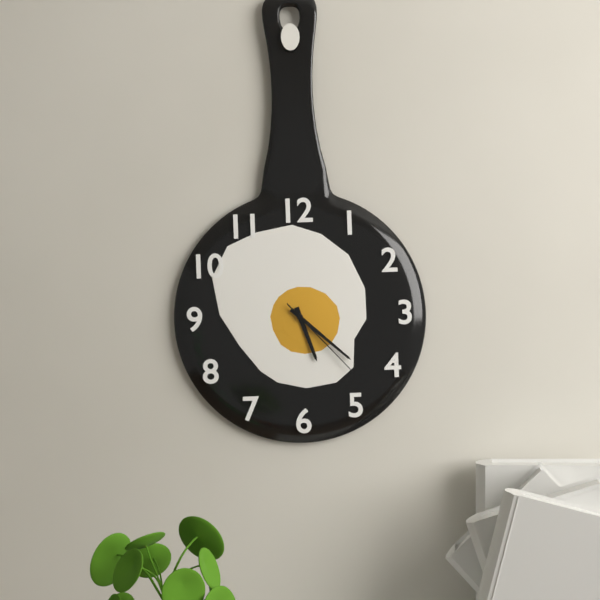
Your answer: **5:22:23**
